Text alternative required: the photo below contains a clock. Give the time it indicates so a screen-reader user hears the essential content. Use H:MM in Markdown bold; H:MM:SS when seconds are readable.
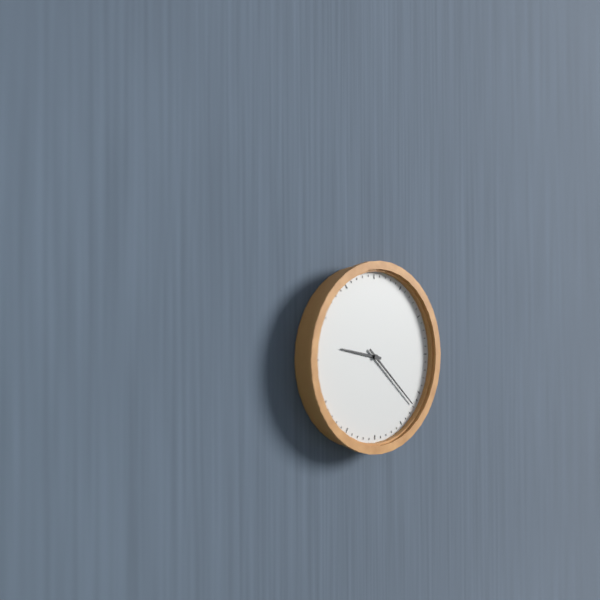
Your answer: **9:22**
